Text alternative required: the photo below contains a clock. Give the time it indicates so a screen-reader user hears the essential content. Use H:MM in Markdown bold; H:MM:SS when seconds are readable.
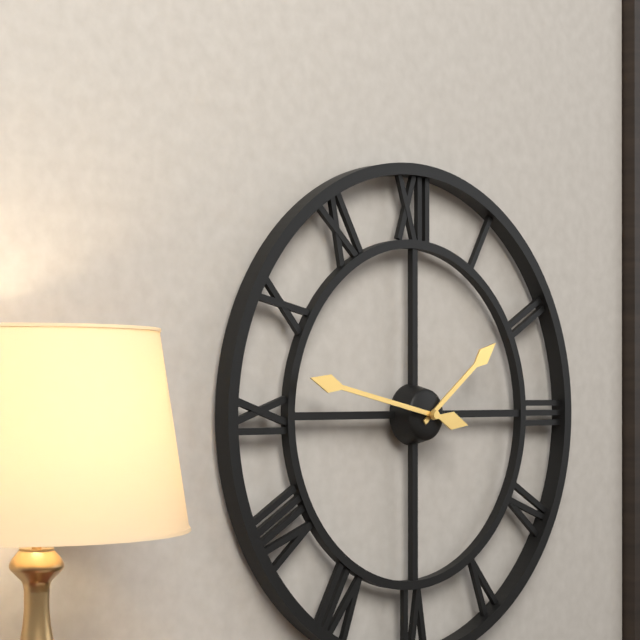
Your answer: **1:47**
